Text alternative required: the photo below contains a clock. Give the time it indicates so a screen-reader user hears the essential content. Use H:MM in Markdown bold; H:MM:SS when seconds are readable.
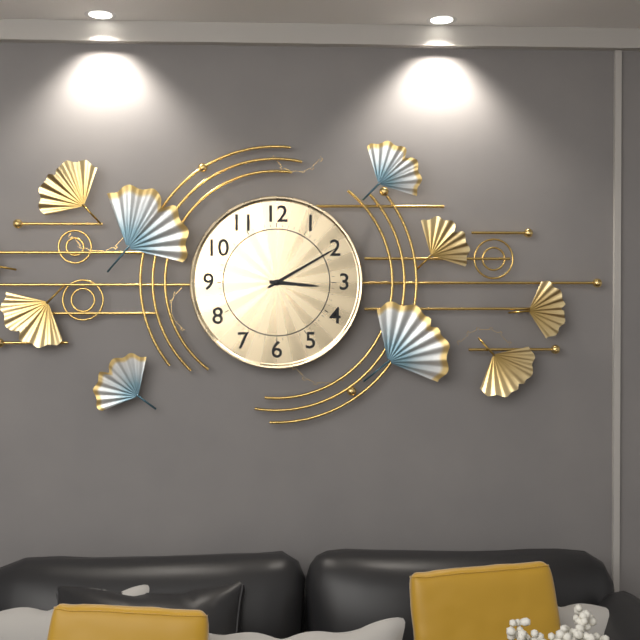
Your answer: **3:10**
